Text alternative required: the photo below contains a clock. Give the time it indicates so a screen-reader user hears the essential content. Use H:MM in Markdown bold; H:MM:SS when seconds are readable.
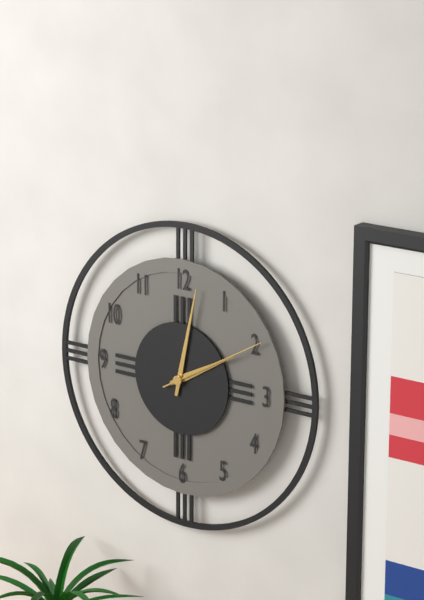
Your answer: **2:02:10**
